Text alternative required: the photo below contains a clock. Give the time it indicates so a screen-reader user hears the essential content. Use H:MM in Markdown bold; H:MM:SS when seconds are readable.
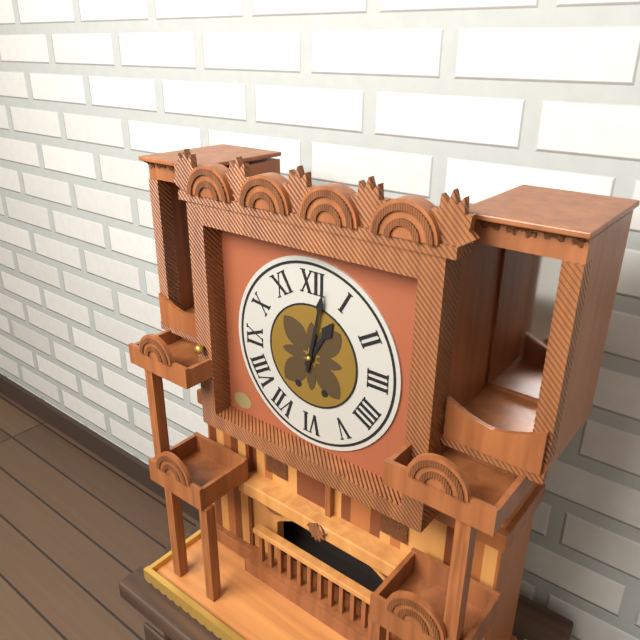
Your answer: **1:02**
